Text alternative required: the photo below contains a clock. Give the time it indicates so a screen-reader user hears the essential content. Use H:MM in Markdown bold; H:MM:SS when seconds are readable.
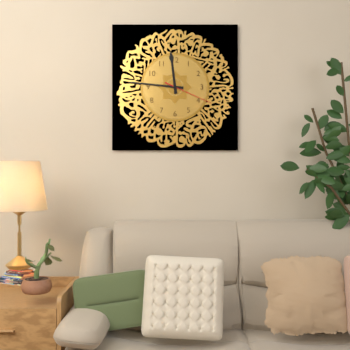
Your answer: **11:46:19**
